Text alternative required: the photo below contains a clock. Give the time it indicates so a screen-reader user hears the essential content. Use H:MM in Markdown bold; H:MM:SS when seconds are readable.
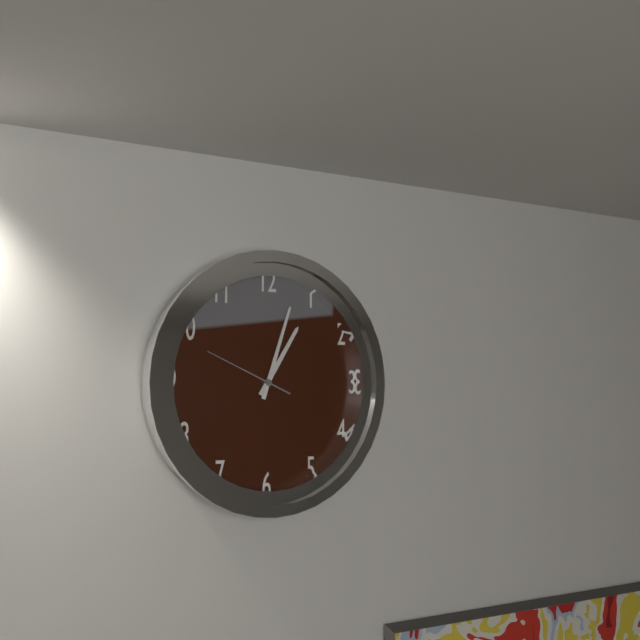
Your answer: **1:03:49**
